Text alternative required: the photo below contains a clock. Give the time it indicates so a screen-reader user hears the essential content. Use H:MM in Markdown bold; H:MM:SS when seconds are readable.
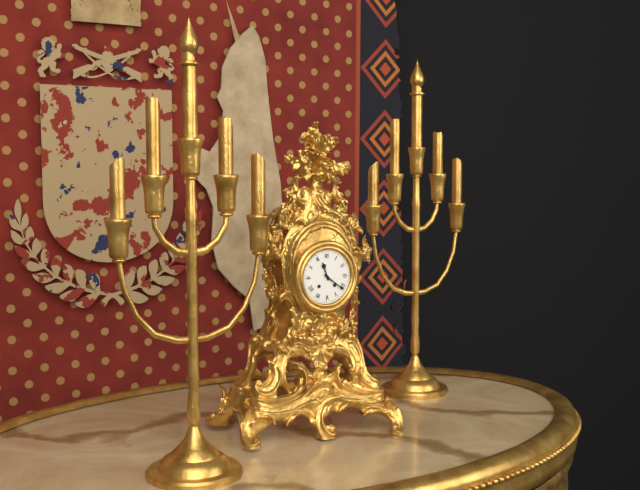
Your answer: **11:21**
